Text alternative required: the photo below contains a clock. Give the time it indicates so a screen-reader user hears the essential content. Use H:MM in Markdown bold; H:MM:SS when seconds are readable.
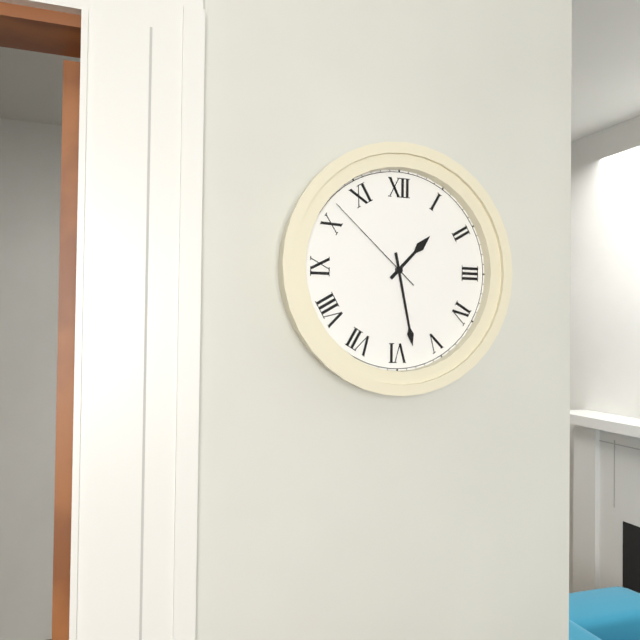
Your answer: **1:28:52**
